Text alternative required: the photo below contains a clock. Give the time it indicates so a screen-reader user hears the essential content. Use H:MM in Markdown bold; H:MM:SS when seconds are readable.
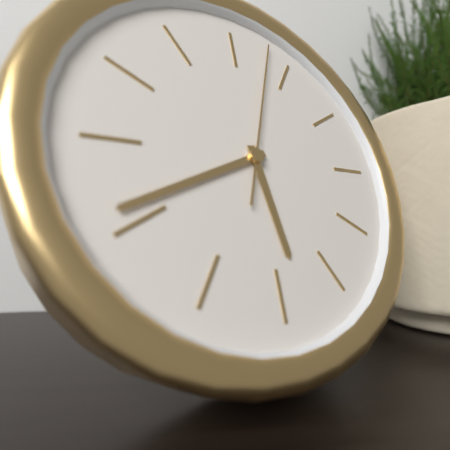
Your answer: **5:41:03**
